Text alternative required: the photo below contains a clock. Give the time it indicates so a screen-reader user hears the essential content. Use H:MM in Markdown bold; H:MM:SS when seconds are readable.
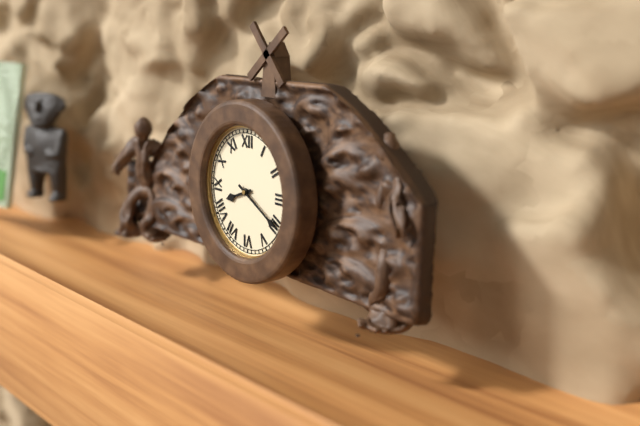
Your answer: **8:20**
